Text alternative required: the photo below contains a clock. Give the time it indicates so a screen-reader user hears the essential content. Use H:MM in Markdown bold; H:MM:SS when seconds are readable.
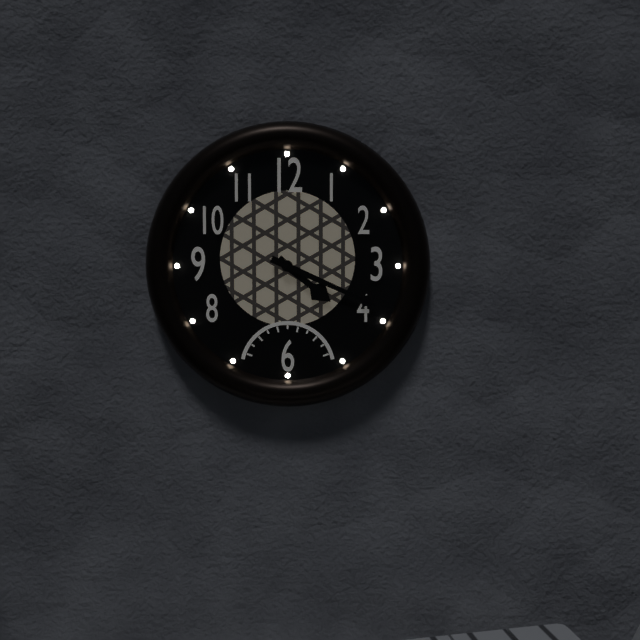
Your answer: **4:19**
